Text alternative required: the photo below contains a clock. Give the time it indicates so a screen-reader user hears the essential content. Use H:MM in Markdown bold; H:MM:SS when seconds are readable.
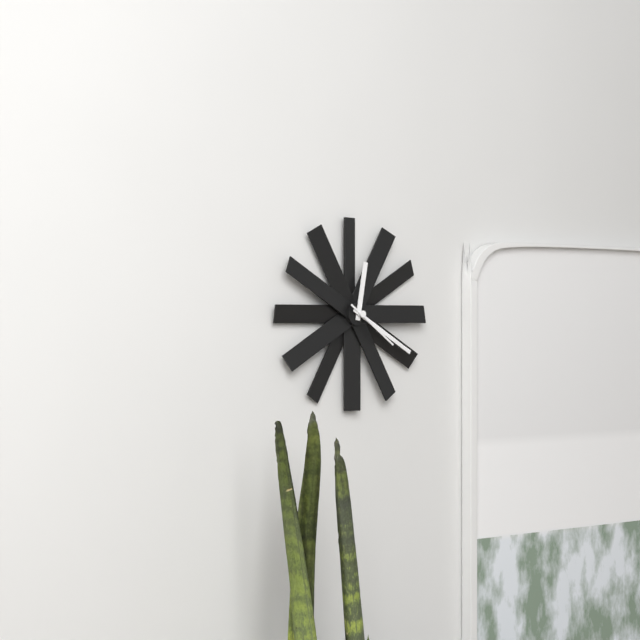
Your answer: **12:20:21**
